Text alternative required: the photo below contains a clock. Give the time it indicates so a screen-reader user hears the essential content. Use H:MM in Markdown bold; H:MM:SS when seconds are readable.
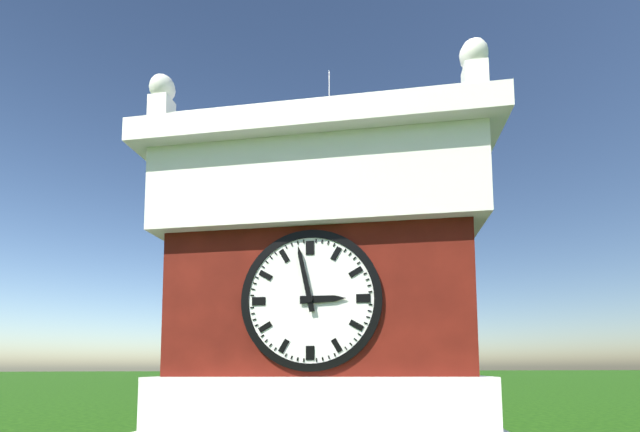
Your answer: **2:58**
